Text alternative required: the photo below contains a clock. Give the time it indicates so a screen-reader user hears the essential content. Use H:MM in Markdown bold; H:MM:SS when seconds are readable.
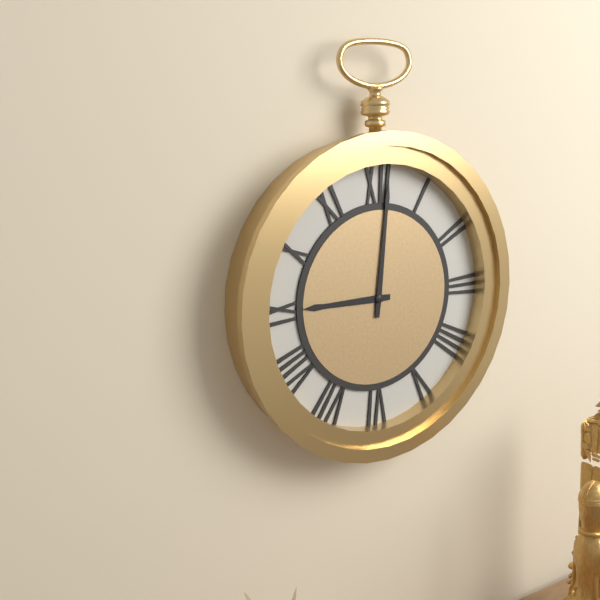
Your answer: **9:01**
